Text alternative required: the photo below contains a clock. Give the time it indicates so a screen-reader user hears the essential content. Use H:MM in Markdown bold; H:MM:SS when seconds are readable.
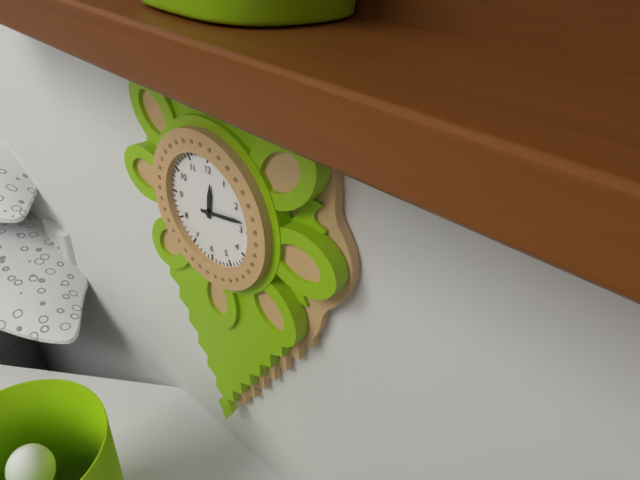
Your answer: **12:13**
